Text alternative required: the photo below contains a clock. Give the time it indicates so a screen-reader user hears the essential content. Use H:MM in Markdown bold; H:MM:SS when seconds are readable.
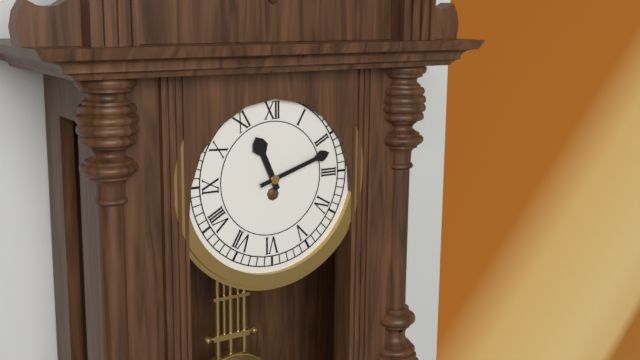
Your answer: **11:12**
